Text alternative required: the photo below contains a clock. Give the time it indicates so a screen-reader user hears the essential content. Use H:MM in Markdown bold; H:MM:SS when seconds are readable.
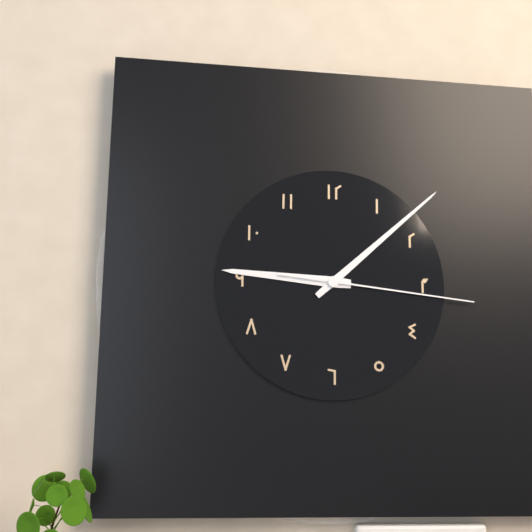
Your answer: **9:08:16**
